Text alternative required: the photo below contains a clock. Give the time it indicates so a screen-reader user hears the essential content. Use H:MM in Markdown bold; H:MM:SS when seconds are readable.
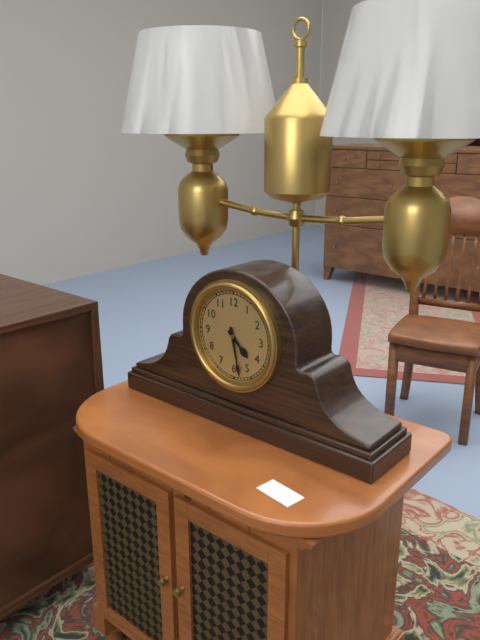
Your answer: **4:28**
